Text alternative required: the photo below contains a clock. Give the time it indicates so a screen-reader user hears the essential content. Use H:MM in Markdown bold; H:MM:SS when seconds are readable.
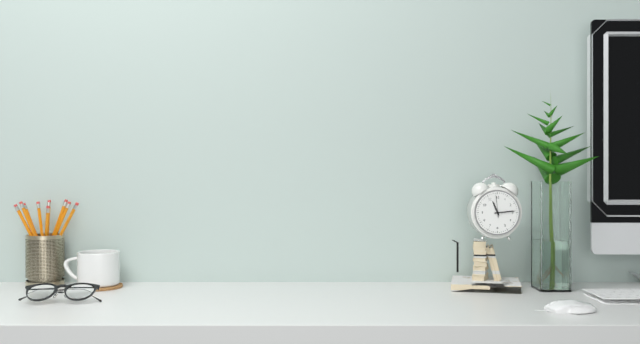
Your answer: **11:14**
